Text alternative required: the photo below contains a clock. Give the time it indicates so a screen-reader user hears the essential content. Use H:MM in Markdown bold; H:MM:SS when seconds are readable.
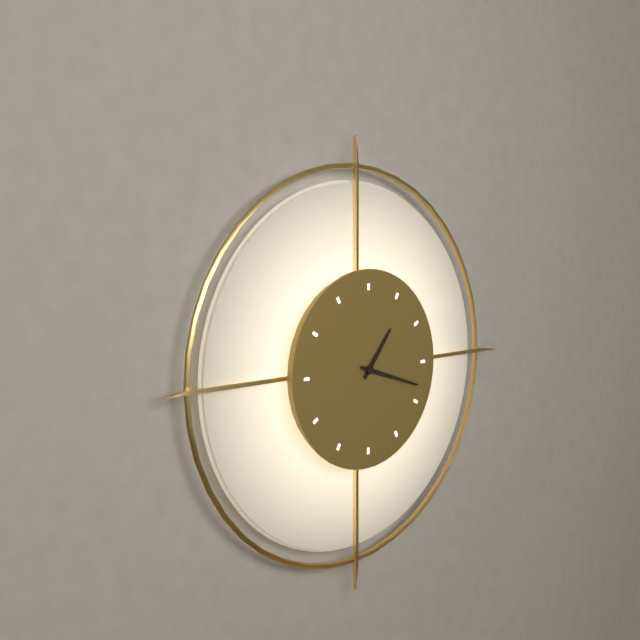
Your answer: **1:18**
